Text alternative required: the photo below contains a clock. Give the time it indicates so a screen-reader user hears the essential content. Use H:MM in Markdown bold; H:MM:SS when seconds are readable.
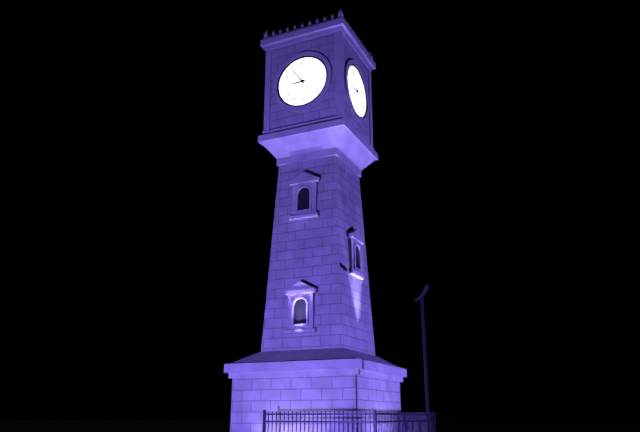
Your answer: **8:54**
